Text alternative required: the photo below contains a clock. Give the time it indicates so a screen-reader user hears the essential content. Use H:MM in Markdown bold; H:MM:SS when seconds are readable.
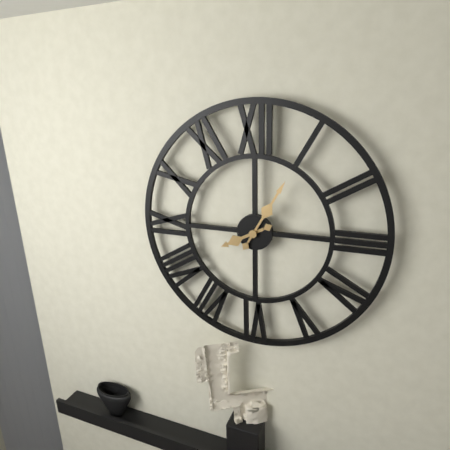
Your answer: **8:05**
